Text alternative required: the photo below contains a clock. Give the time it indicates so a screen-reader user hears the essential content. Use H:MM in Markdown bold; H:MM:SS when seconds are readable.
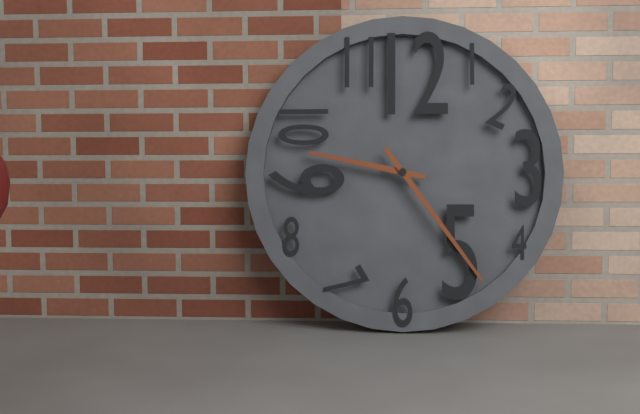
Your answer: **9:24**
